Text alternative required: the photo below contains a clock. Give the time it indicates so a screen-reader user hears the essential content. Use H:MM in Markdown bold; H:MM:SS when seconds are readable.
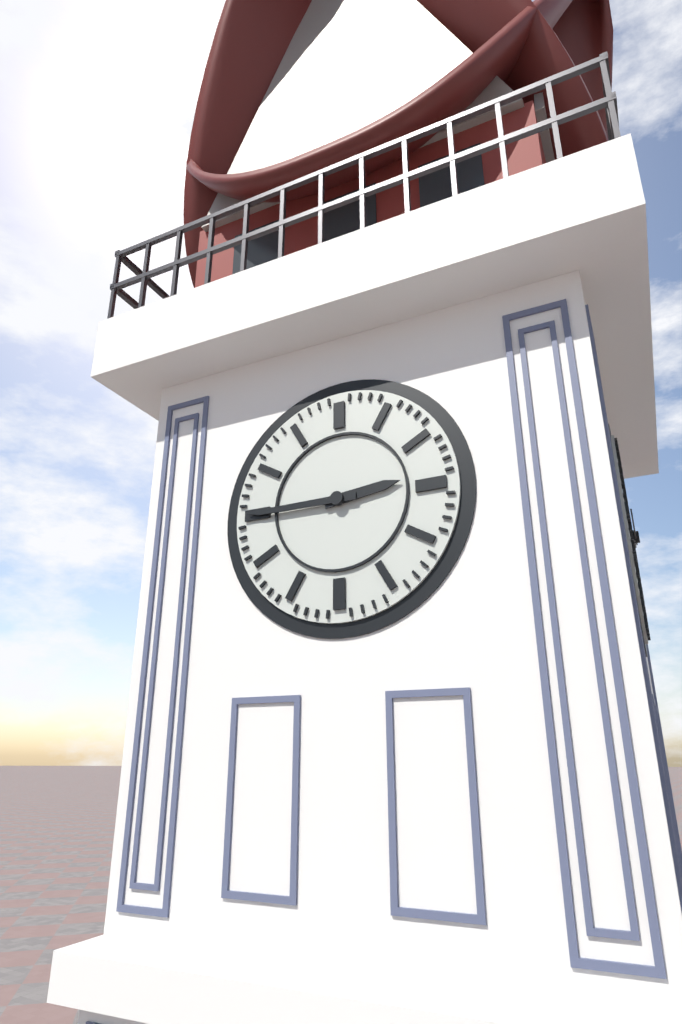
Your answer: **2:45**
